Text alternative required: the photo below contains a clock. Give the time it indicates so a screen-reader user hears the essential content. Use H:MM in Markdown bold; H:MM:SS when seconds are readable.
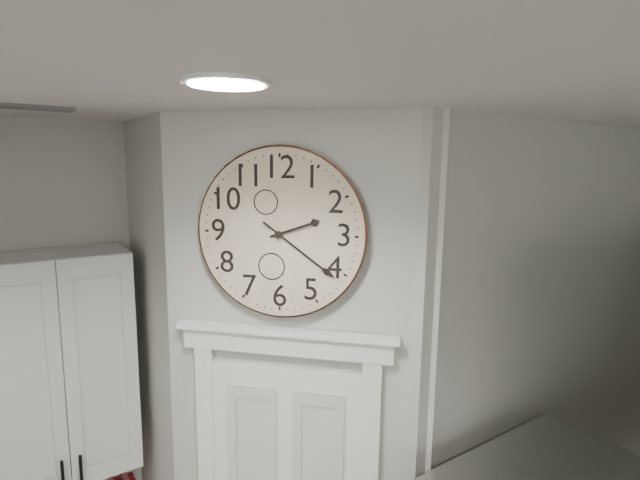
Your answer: **2:21**
